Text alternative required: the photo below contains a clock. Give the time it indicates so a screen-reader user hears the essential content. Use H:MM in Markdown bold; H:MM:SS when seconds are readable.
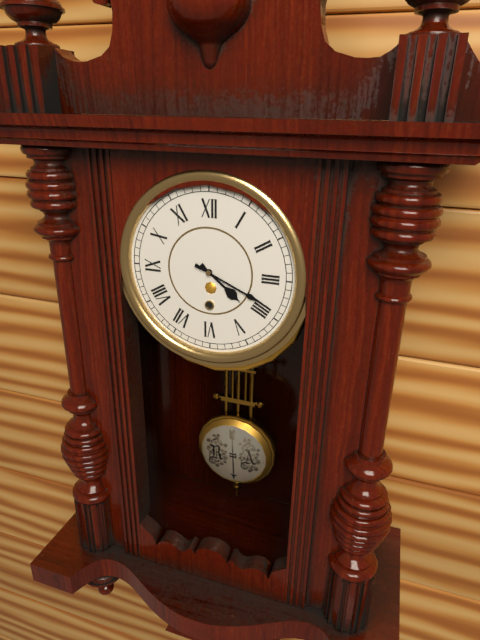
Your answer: **4:19**
